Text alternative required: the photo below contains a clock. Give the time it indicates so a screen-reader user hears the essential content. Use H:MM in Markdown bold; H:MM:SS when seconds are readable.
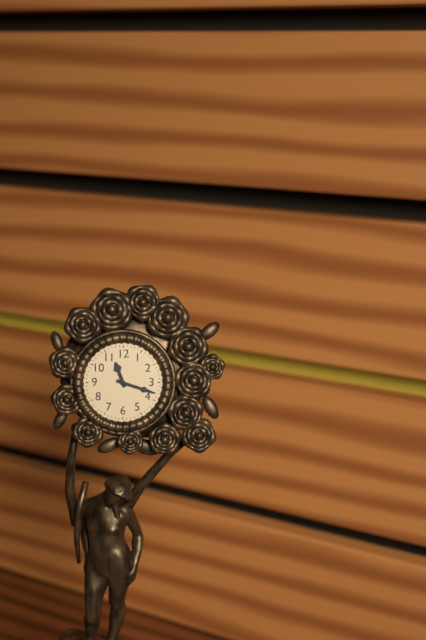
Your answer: **11:18**
